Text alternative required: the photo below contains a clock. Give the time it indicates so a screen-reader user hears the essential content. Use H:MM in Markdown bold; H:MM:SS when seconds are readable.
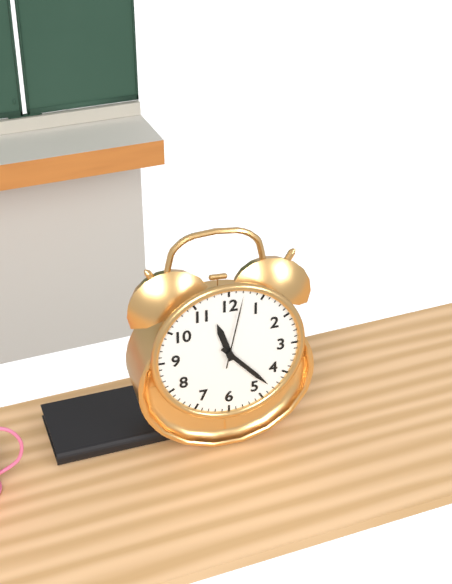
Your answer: **11:23:02**
